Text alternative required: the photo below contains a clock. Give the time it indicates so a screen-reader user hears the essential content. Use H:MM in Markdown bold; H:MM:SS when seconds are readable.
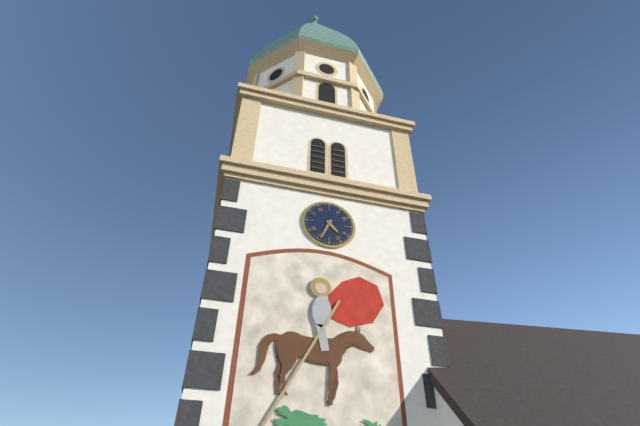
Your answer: **4:34**
